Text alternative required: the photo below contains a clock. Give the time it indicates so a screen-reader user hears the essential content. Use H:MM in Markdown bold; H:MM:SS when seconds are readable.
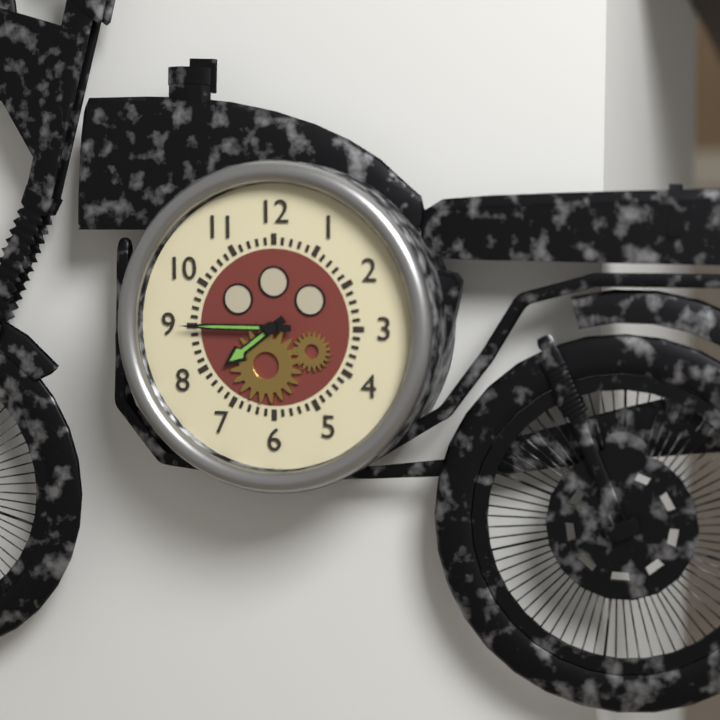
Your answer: **7:45**
